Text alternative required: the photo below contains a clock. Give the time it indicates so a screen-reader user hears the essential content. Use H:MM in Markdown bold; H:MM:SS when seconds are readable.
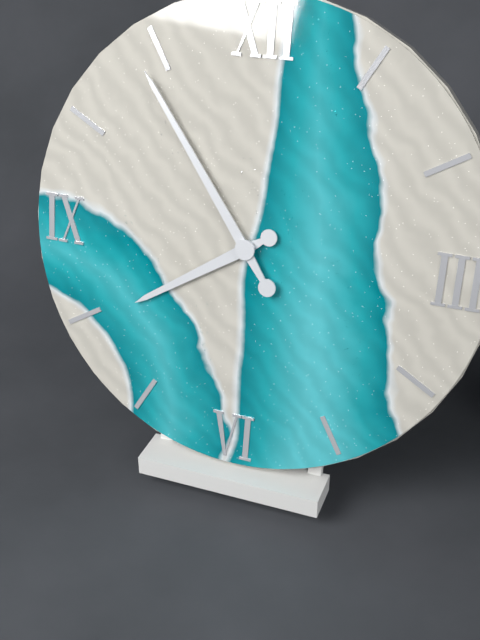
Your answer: **7:54**
